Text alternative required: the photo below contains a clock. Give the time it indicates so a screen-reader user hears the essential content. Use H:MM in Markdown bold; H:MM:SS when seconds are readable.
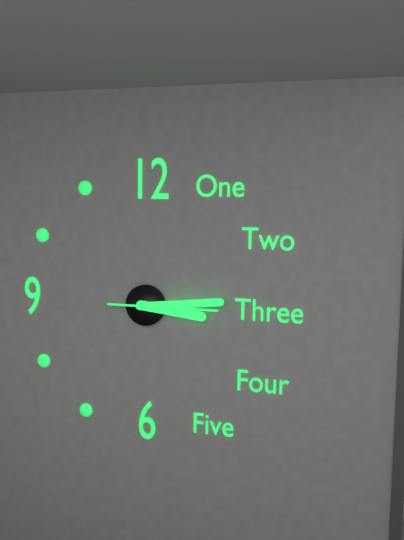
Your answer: **3:14:15**
